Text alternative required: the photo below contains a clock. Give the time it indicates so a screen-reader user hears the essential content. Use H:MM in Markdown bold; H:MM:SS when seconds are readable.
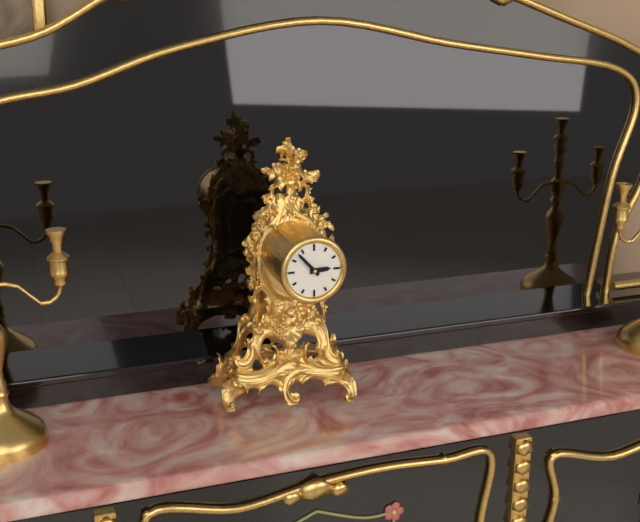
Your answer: **2:53**
